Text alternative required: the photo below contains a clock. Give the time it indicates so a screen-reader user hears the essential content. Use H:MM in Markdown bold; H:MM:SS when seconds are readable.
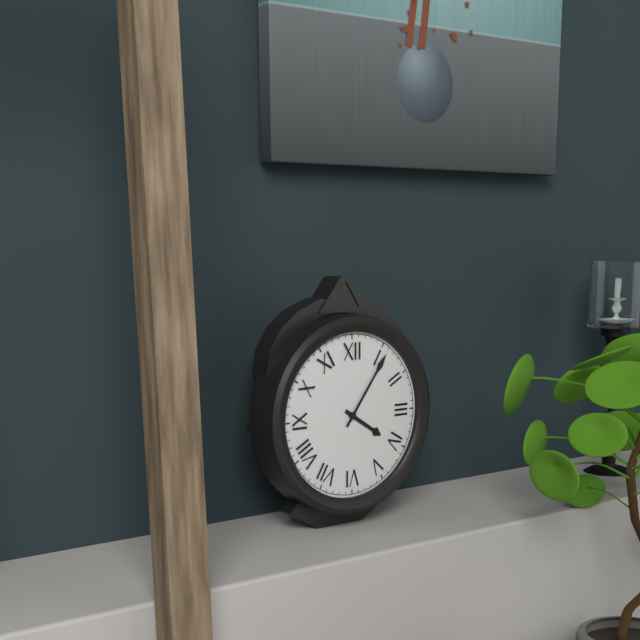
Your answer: **4:06**
